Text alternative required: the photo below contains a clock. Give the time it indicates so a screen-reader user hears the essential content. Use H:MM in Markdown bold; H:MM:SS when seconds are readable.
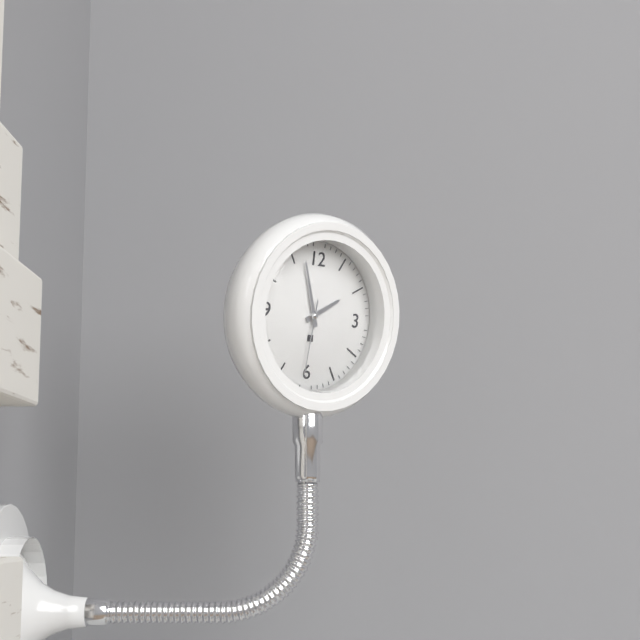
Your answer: **1:57:31**
